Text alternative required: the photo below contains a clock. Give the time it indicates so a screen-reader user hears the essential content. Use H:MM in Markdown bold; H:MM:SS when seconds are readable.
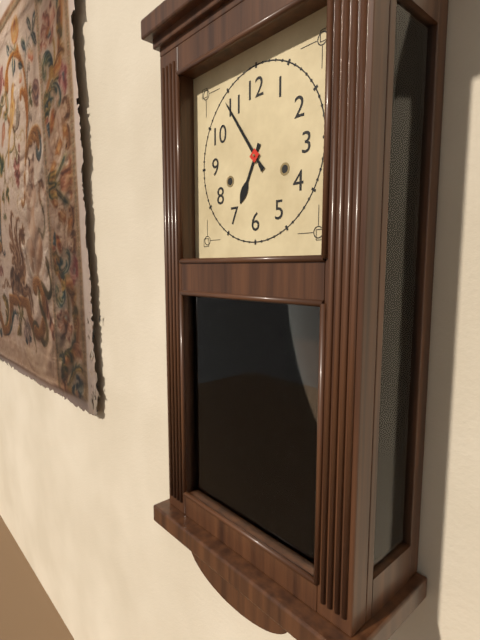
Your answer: **6:54**
